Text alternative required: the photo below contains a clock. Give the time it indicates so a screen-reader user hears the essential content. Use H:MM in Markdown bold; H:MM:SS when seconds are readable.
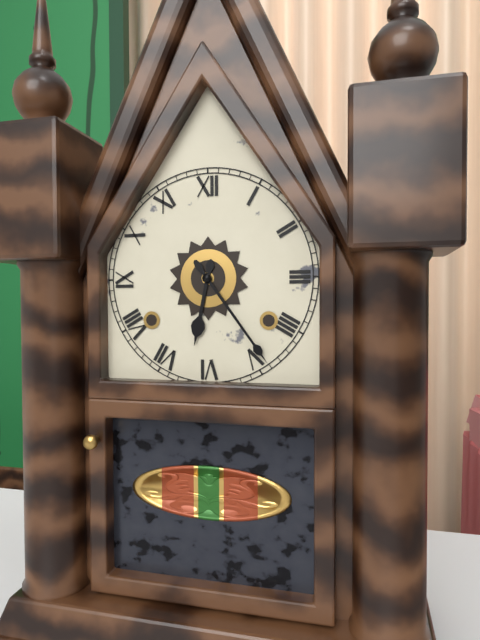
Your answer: **6:24**
